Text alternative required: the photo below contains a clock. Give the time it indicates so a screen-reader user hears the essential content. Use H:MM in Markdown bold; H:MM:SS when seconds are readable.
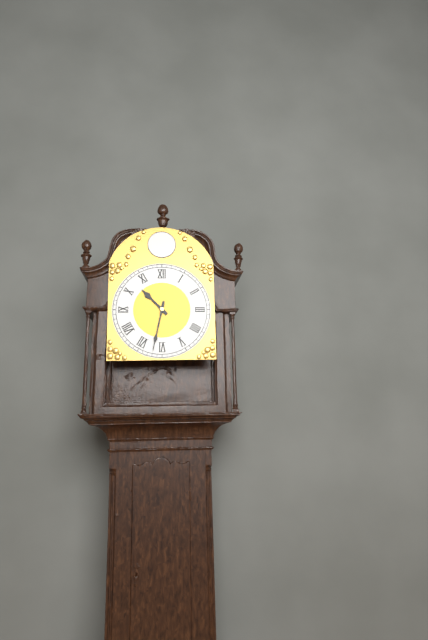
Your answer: **10:32**
